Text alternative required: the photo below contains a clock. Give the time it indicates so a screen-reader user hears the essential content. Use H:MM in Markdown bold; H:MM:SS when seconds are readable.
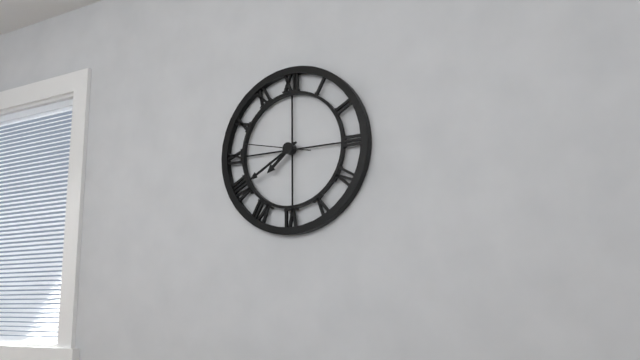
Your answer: **7:40:47**
